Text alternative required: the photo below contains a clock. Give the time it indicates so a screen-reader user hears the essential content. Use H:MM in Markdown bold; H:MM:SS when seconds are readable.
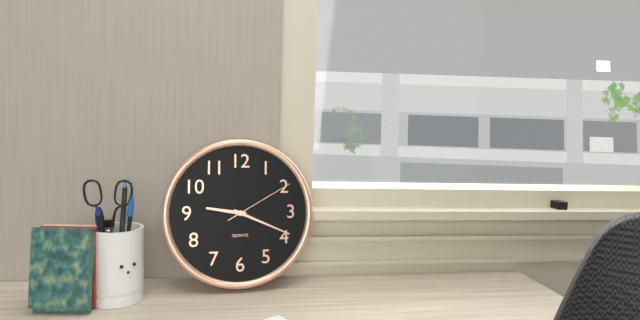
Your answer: **9:19:10**
